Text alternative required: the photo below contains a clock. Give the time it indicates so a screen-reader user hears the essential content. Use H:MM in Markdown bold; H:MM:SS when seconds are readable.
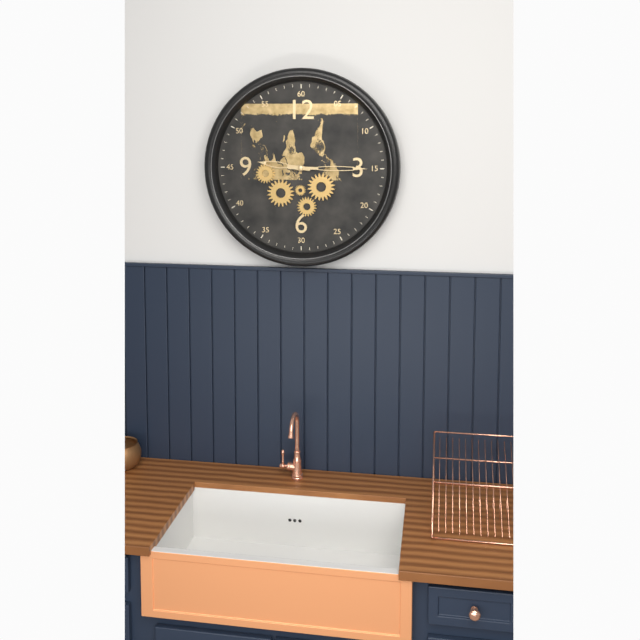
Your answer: **9:15**
